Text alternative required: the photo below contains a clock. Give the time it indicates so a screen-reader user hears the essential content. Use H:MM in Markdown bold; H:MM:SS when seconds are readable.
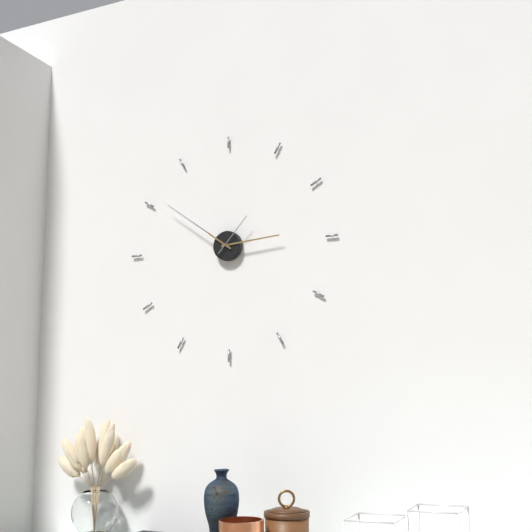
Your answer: **2:51**
